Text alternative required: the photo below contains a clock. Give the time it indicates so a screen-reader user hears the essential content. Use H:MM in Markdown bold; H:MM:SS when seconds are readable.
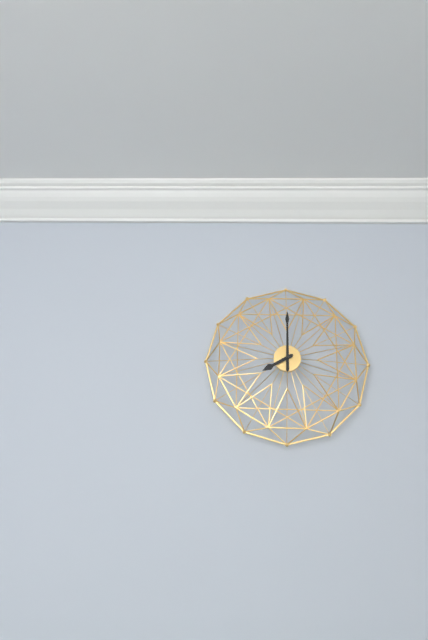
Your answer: **8:00**
